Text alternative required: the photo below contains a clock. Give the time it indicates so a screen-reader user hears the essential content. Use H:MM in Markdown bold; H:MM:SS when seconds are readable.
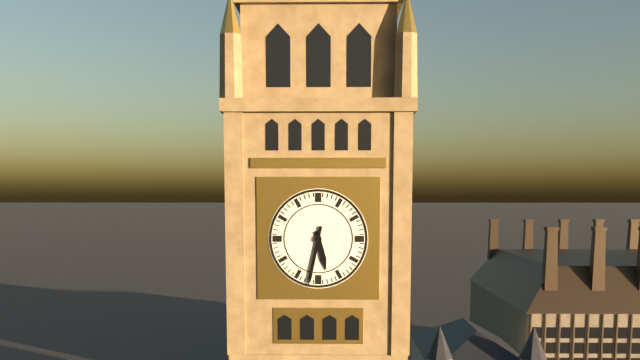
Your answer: **5:32**
